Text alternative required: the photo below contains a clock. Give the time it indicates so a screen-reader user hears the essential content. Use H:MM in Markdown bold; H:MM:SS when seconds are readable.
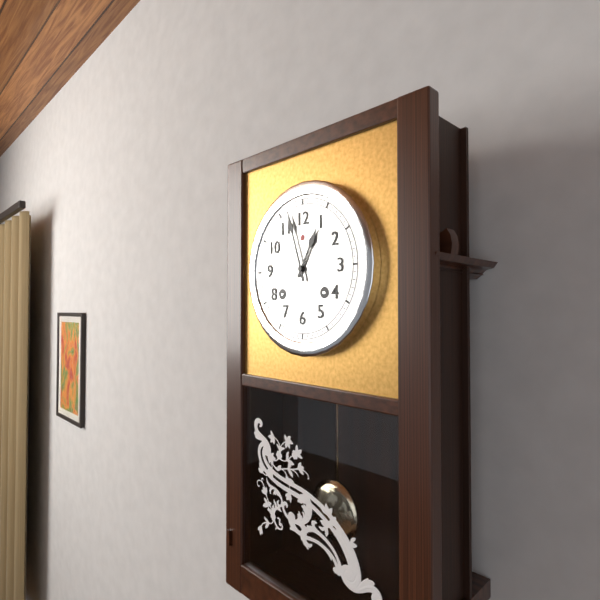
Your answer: **12:57**
